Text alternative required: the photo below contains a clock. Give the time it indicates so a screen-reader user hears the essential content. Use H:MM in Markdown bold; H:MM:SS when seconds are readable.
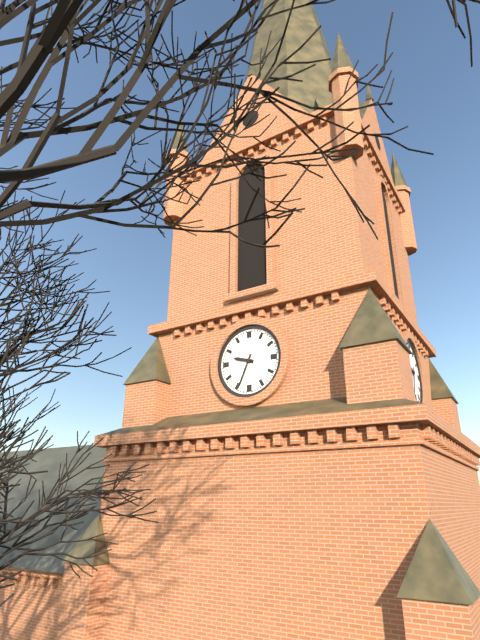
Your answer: **9:34**
